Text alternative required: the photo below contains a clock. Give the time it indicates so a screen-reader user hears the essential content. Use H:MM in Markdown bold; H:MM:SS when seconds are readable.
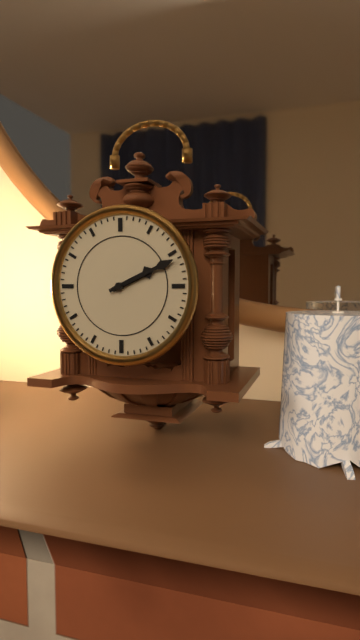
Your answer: **2:11**
